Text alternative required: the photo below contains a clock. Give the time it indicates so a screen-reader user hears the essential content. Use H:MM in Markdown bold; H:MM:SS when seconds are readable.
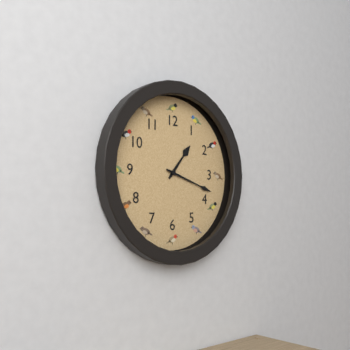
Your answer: **1:18**
